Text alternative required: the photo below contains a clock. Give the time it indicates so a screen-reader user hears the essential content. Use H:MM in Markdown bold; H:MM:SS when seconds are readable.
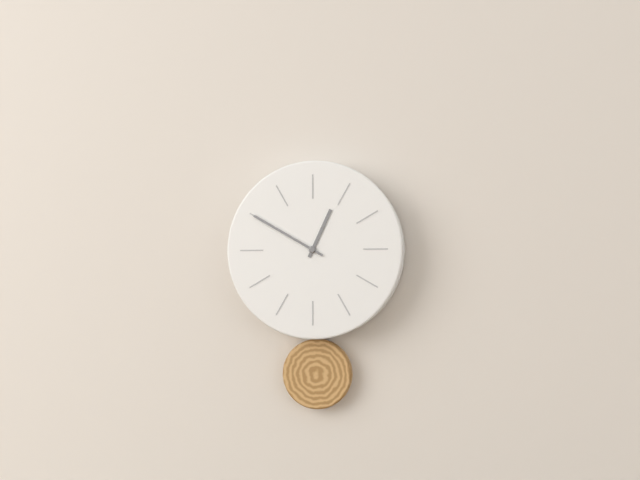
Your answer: **12:50**
